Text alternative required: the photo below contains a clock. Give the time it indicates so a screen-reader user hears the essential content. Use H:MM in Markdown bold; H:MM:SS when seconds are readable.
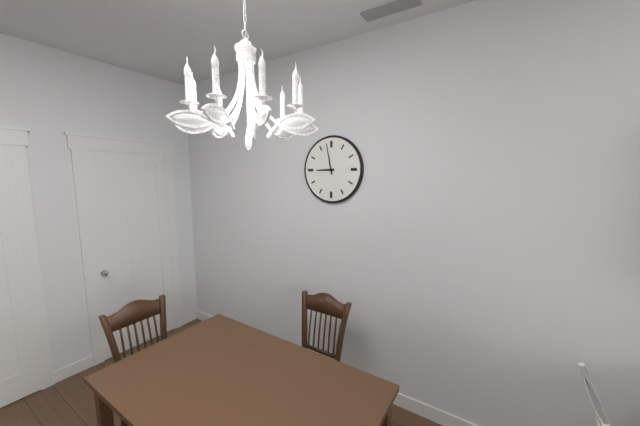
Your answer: **8:58**
